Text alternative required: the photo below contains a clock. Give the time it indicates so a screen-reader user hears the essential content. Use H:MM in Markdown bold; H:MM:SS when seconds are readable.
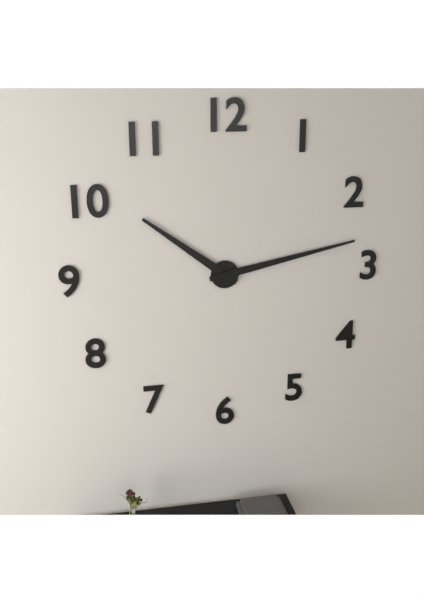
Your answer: **10:13**
